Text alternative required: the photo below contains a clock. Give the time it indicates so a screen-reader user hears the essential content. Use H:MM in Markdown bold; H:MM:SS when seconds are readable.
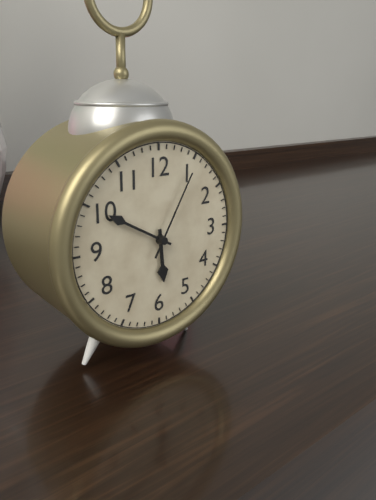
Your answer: **5:50:05**
